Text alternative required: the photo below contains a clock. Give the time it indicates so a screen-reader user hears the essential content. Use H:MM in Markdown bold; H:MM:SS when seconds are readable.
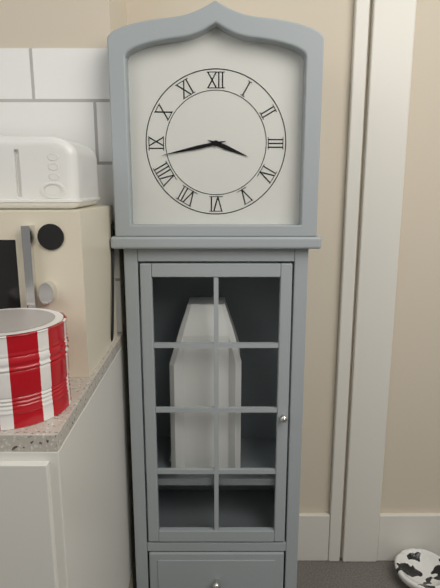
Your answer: **3:43**
